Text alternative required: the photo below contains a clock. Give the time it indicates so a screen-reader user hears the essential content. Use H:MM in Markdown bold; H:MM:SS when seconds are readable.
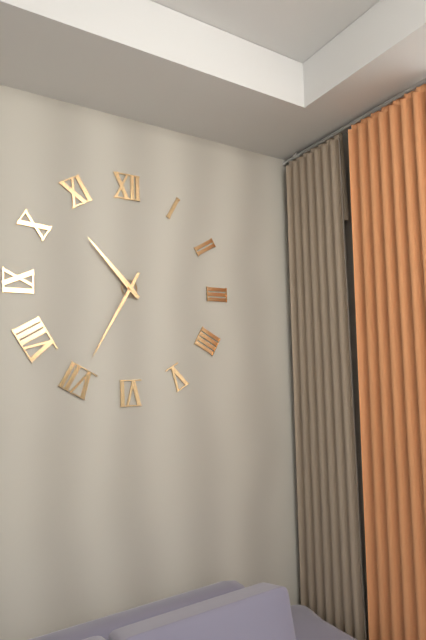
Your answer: **10:35**
